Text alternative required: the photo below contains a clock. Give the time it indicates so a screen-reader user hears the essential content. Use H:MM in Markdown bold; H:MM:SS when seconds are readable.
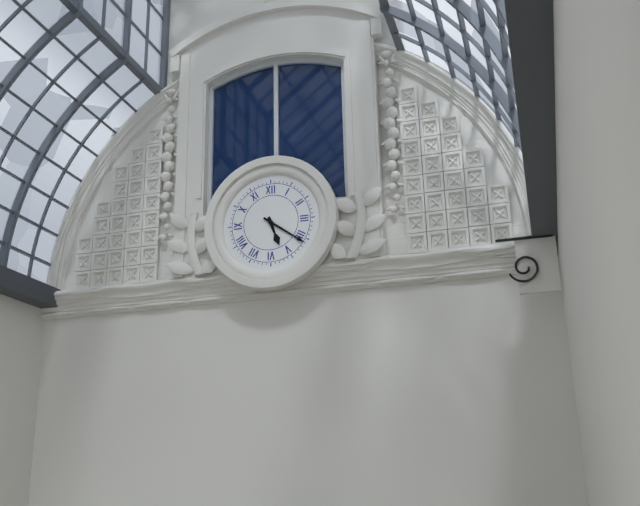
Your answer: **5:21**
